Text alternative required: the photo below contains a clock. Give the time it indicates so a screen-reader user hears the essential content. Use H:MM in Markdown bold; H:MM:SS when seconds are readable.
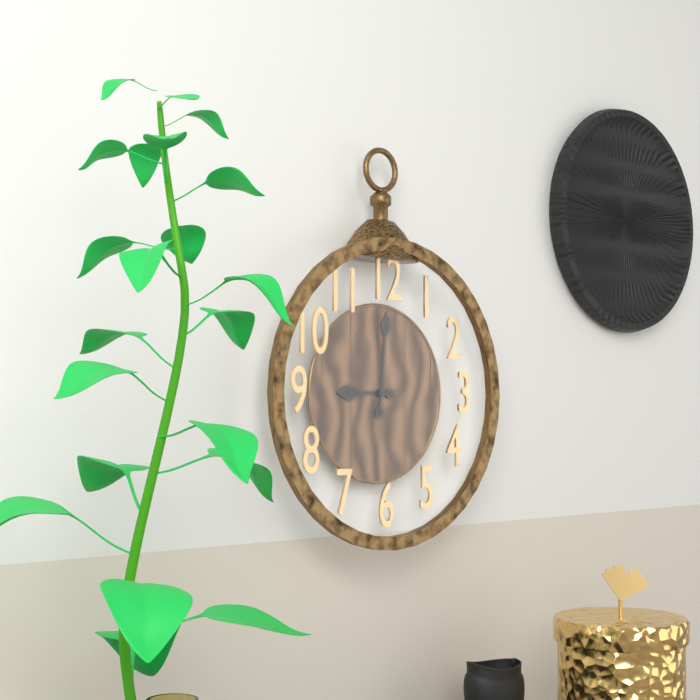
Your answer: **9:01**
